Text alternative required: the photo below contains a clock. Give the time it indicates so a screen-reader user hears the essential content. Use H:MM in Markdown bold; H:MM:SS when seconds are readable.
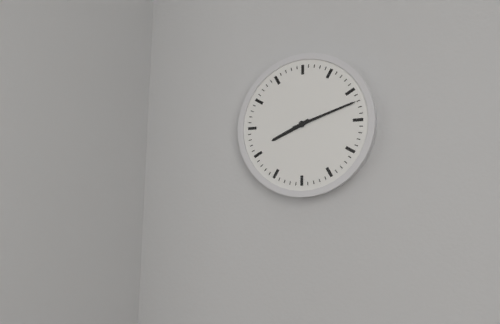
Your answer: **8:12**
